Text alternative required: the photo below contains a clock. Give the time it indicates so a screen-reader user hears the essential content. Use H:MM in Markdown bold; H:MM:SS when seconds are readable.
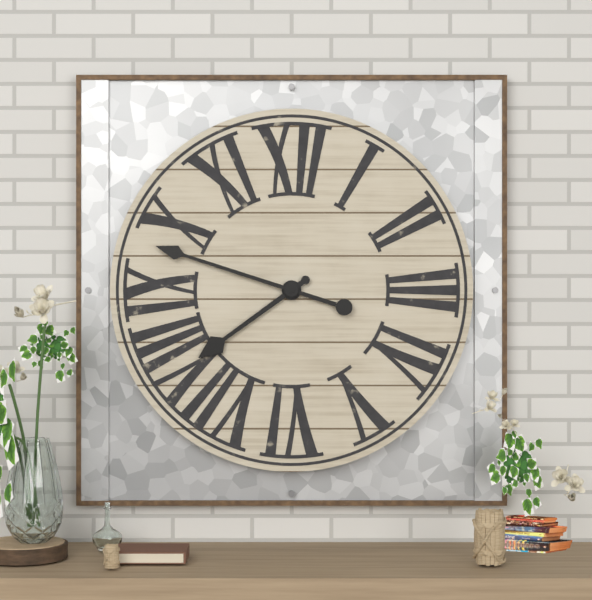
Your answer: **7:48**
